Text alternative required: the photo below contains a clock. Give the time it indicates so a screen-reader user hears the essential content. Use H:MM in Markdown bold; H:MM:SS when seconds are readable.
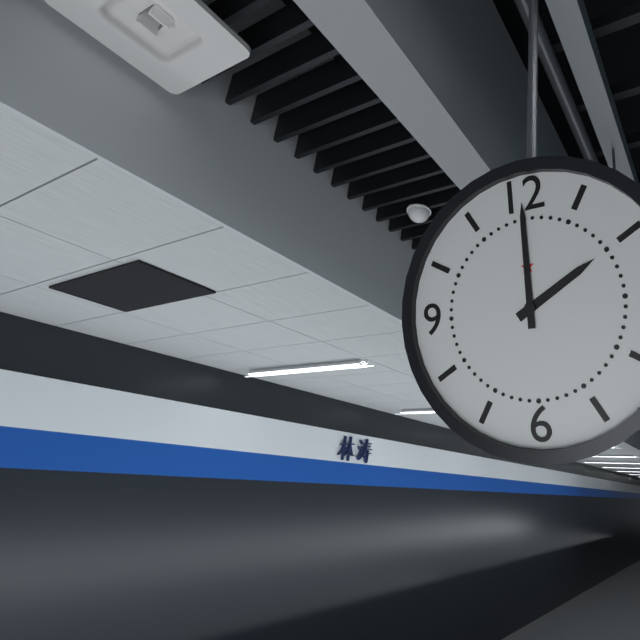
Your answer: **2:00**
